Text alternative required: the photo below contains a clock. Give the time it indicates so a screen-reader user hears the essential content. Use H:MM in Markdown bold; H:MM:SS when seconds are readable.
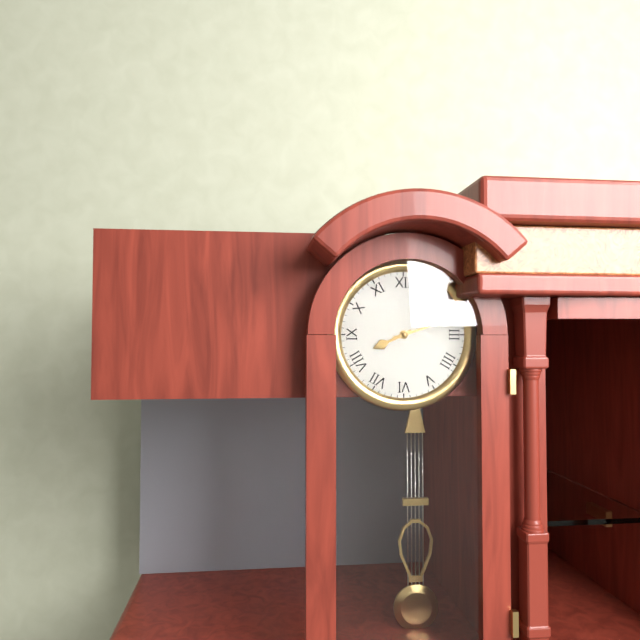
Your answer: **8:12**
